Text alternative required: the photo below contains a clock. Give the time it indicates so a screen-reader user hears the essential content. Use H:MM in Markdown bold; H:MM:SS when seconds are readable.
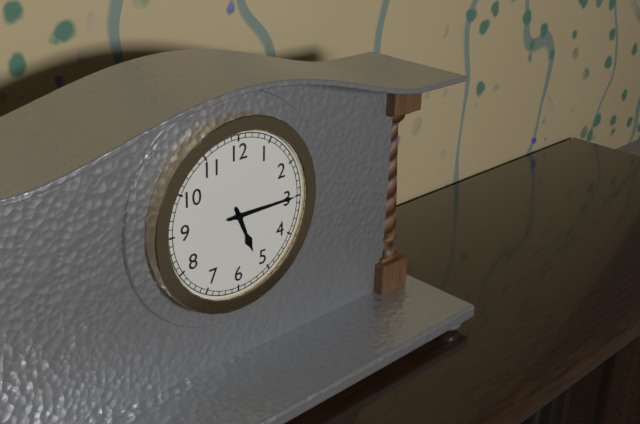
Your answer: **5:15**
